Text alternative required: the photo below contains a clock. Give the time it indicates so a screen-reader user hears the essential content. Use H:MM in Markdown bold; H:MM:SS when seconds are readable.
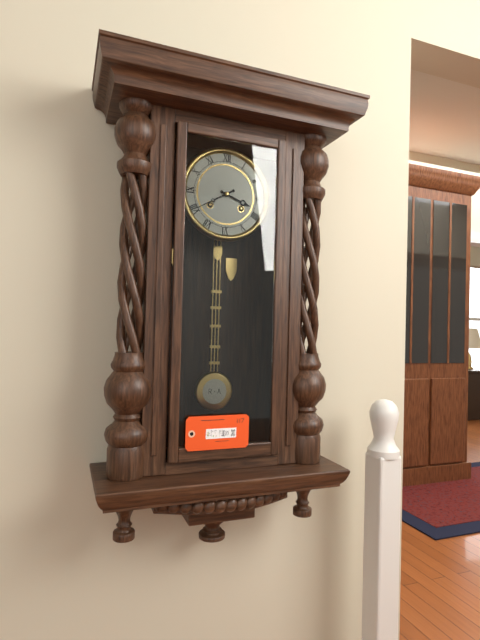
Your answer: **3:40**
